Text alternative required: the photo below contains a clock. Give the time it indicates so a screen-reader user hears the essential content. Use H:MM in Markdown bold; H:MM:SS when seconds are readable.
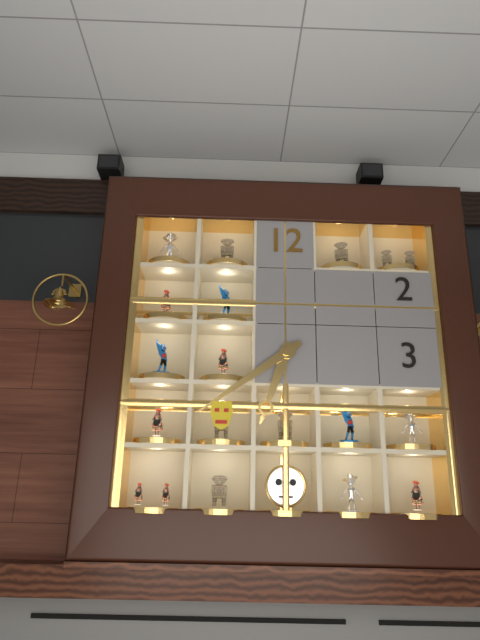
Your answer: **6:39**
